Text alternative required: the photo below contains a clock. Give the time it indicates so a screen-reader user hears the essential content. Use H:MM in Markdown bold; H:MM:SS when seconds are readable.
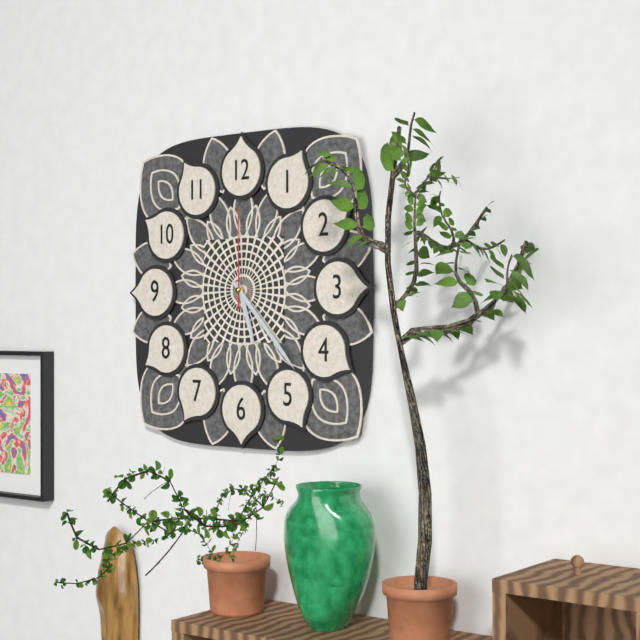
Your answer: **5:23:00**
